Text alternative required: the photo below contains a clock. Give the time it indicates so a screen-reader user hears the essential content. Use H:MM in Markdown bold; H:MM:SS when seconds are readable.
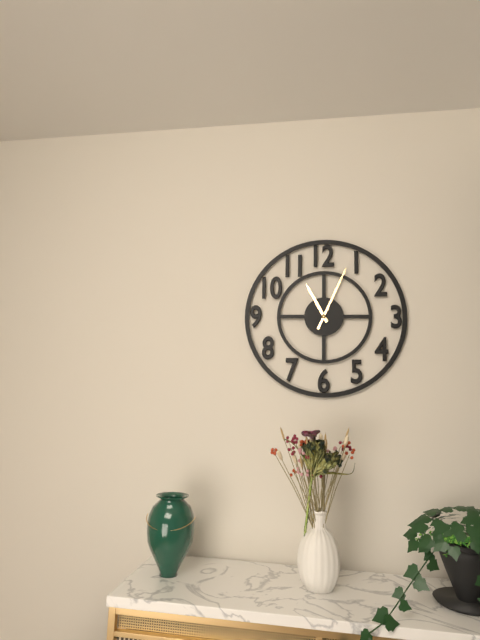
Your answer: **11:04**
